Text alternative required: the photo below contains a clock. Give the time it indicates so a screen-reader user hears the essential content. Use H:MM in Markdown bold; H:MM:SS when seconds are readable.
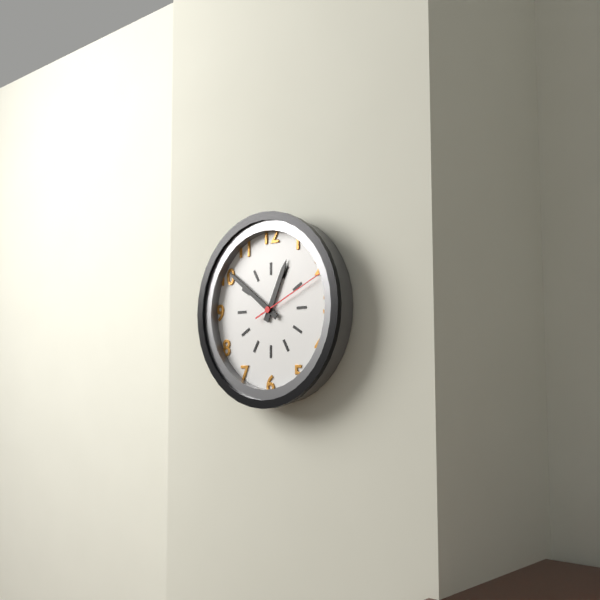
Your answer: **12:51:11**
